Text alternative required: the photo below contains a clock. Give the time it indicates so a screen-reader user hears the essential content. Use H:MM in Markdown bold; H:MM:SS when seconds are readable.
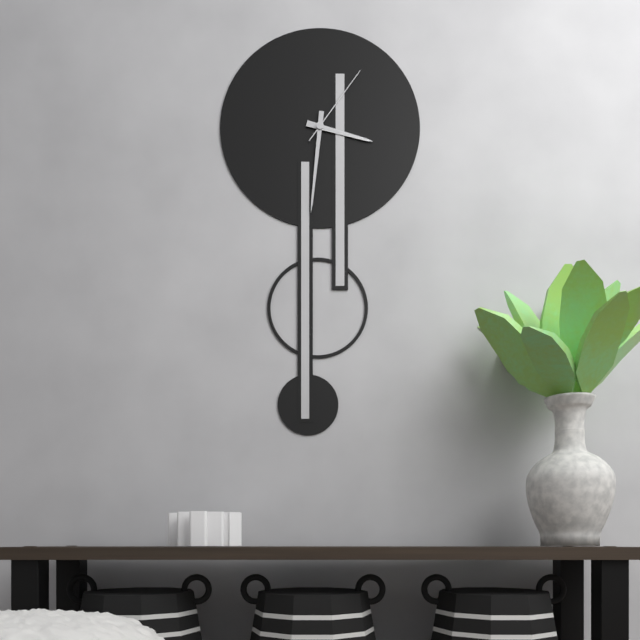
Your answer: **3:31:06**
